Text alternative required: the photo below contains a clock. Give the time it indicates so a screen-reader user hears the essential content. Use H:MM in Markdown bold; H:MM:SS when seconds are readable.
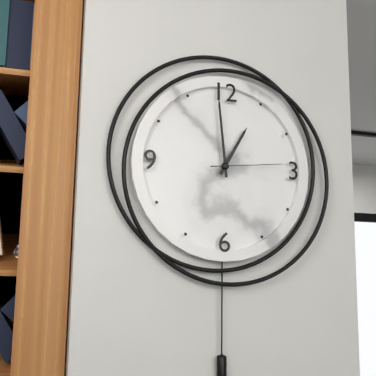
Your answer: **12:59:14**
